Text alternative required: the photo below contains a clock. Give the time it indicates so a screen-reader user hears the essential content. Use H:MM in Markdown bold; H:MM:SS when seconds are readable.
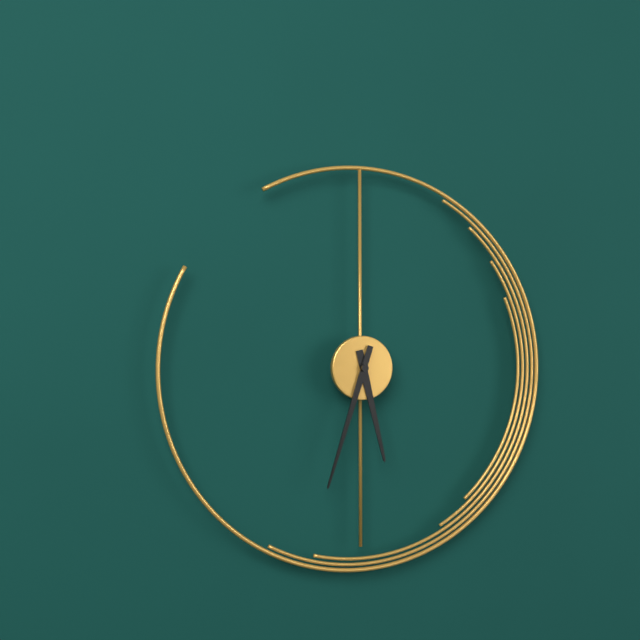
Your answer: **5:33**
